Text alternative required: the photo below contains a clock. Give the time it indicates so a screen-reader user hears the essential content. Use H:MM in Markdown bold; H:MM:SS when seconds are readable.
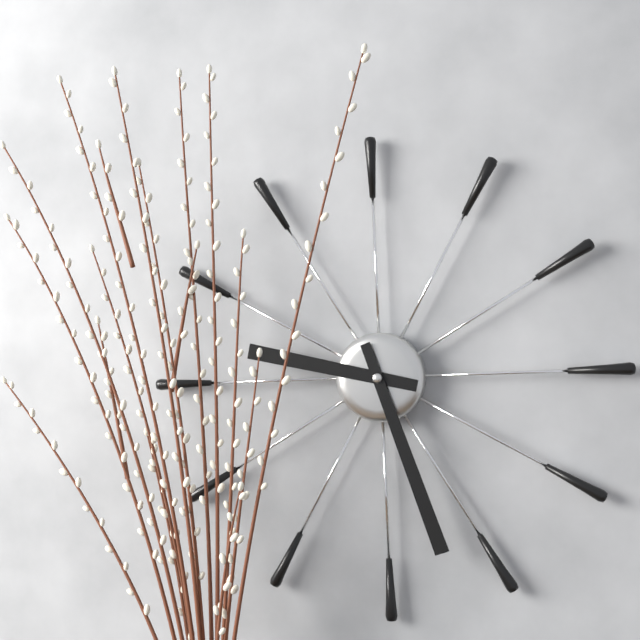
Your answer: **9:27**
